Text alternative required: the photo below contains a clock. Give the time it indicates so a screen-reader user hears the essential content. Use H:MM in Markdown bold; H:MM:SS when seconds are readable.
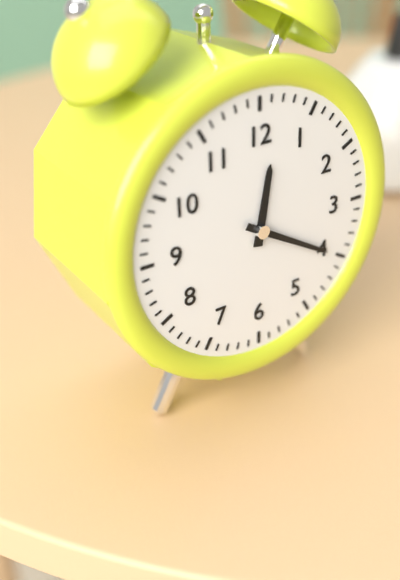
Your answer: **12:20**
